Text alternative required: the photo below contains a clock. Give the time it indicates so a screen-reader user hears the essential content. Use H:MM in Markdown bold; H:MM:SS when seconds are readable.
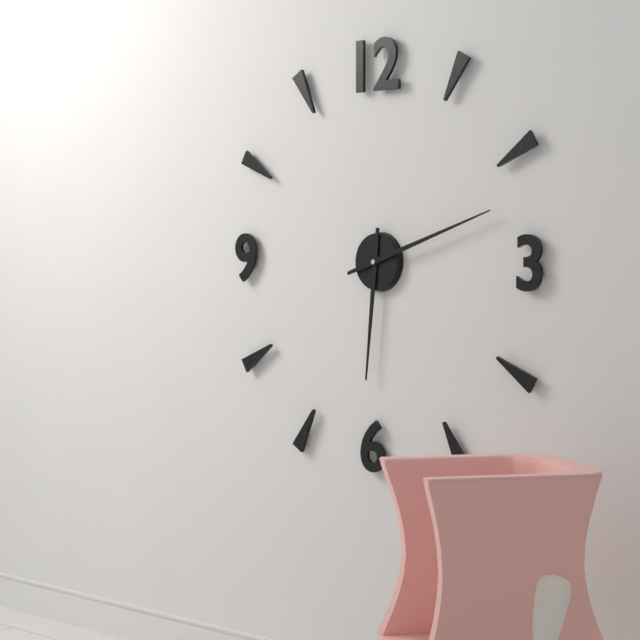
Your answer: **6:12**
